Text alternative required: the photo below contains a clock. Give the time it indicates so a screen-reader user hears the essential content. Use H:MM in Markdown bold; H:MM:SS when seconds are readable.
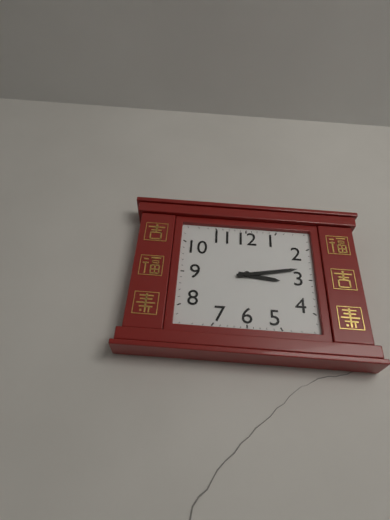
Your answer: **3:13**
